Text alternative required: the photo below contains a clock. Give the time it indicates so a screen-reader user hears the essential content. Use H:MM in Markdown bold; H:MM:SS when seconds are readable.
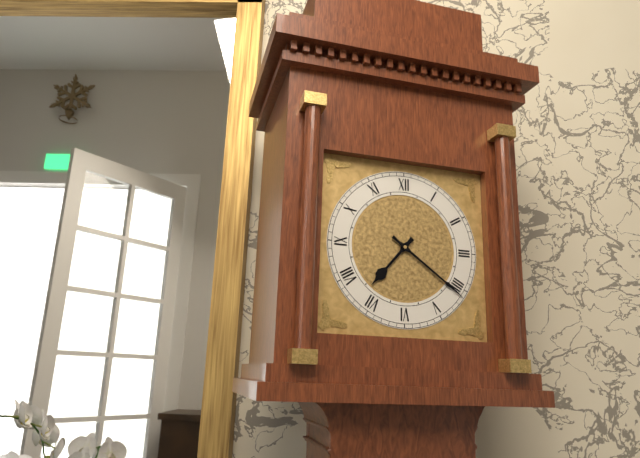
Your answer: **7:21**
